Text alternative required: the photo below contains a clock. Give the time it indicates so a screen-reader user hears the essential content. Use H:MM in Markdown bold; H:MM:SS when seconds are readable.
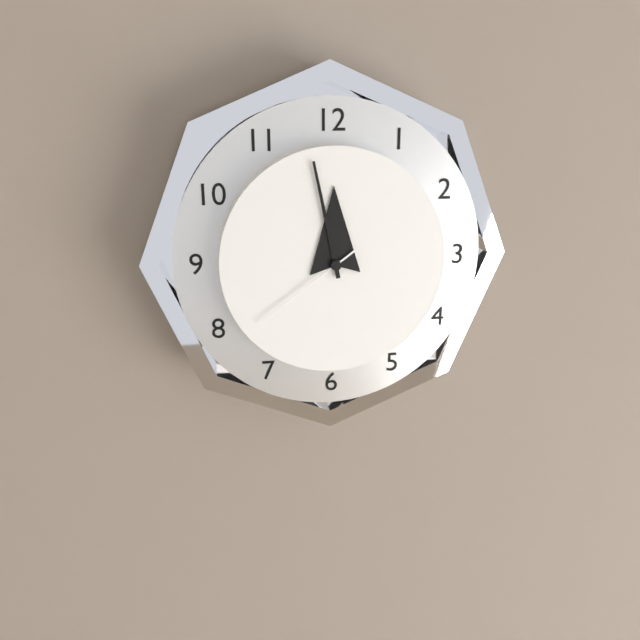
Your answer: **11:58:39**
